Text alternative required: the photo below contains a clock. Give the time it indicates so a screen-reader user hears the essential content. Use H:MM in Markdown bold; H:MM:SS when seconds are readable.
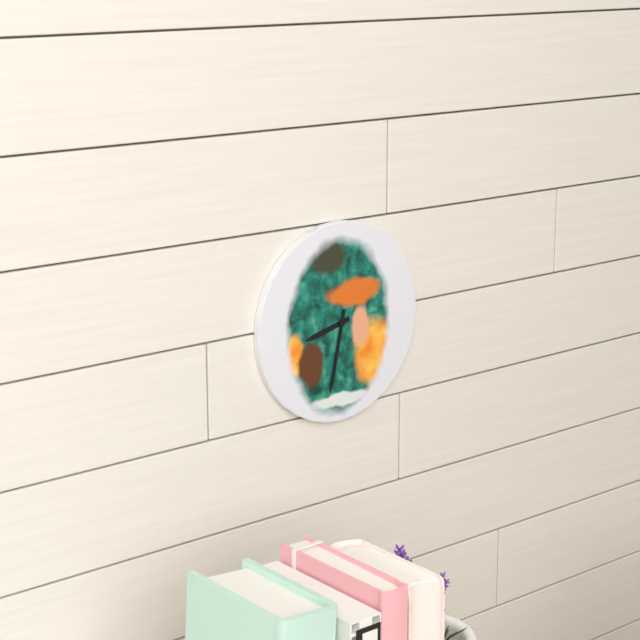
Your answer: **8:32**
